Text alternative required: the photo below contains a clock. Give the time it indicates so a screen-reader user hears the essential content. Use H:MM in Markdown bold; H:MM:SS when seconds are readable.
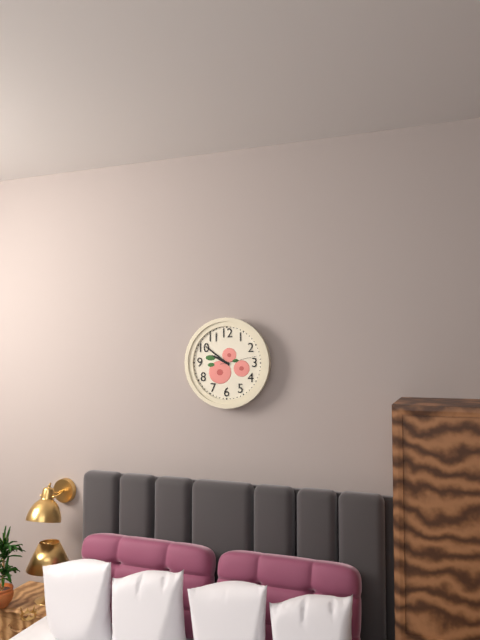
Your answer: **9:51**
